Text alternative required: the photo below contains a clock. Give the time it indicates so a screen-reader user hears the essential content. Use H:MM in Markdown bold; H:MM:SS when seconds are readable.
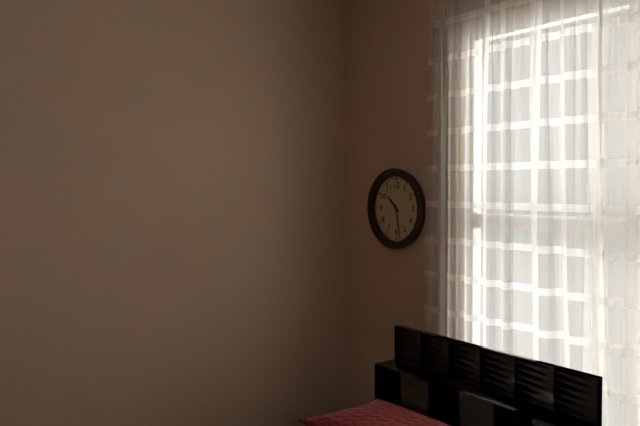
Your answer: **10:28**
